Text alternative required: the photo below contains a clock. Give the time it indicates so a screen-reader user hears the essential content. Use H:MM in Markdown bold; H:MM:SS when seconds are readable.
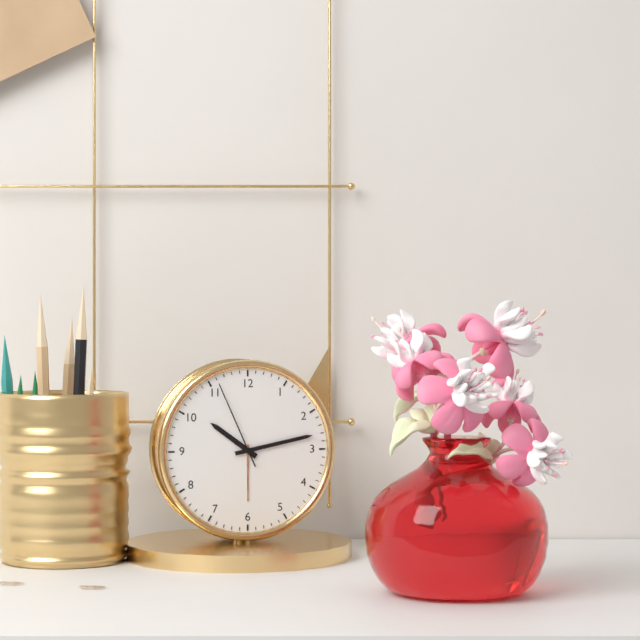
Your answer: **10:13:56**
